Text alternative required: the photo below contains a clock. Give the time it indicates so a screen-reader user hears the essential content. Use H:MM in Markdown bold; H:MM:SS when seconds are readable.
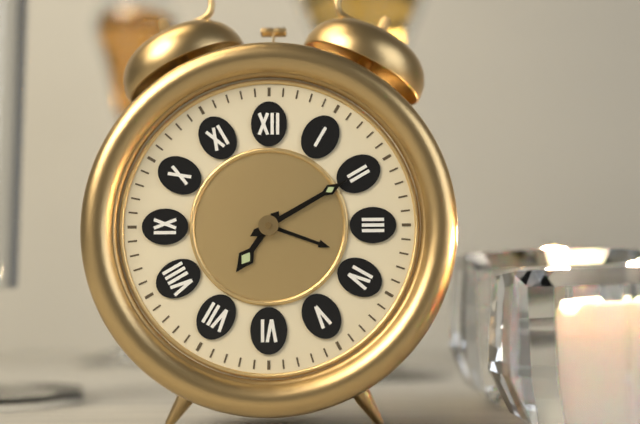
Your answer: **7:10**
